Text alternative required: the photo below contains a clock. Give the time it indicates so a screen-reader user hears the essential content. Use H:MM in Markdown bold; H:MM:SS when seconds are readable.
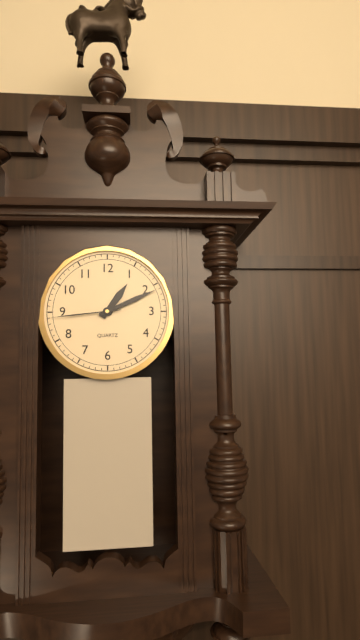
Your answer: **1:11:44**
